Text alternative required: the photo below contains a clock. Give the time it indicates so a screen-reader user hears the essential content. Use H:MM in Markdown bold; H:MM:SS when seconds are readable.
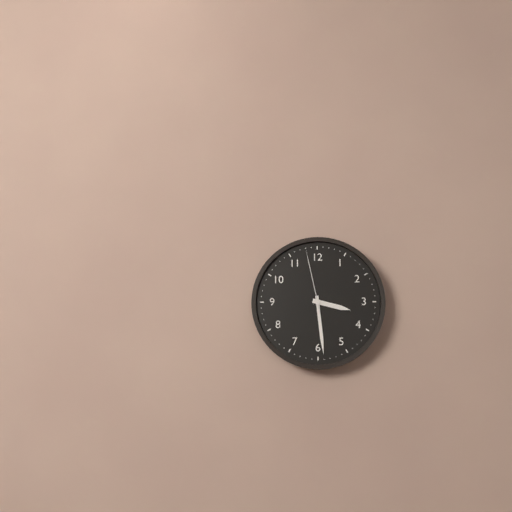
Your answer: **3:29:58**
